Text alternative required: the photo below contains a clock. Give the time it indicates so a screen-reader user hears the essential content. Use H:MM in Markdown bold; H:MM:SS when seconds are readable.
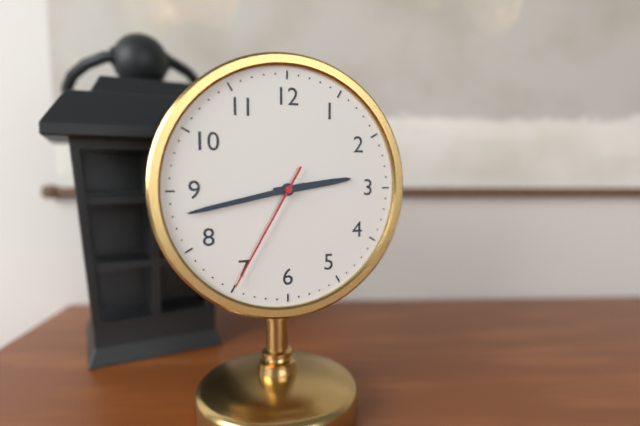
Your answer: **2:43:35**
